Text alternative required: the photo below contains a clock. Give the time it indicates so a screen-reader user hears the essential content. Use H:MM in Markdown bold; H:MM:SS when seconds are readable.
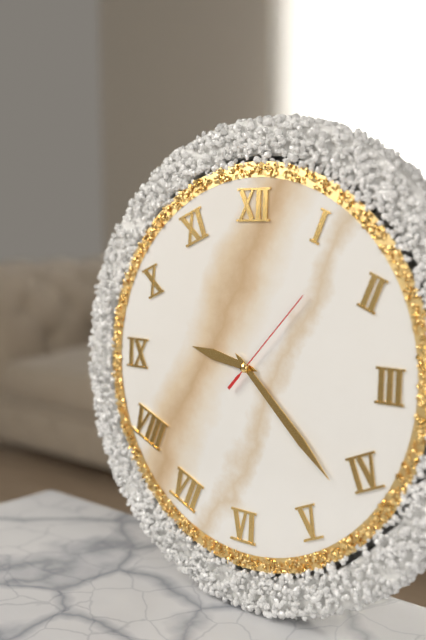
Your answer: **9:22:07**
